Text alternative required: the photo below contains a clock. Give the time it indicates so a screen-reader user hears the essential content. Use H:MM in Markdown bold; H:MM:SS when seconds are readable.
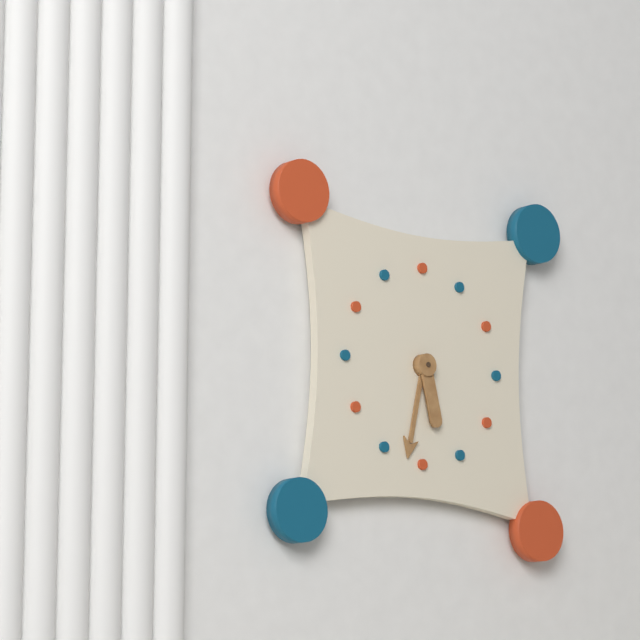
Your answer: **5:32**
